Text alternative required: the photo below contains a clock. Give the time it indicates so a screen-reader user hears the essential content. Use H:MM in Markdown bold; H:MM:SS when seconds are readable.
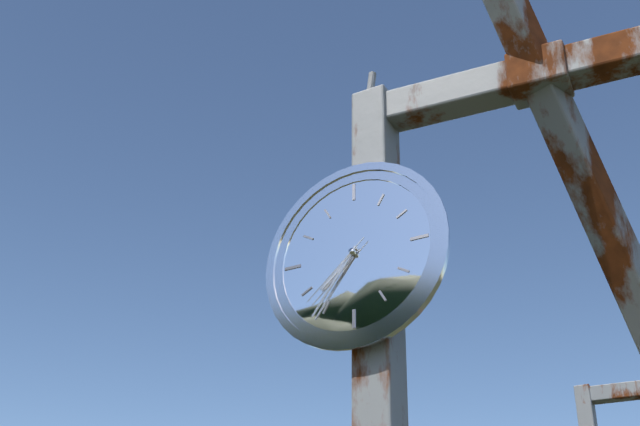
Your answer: **7:36:38**
